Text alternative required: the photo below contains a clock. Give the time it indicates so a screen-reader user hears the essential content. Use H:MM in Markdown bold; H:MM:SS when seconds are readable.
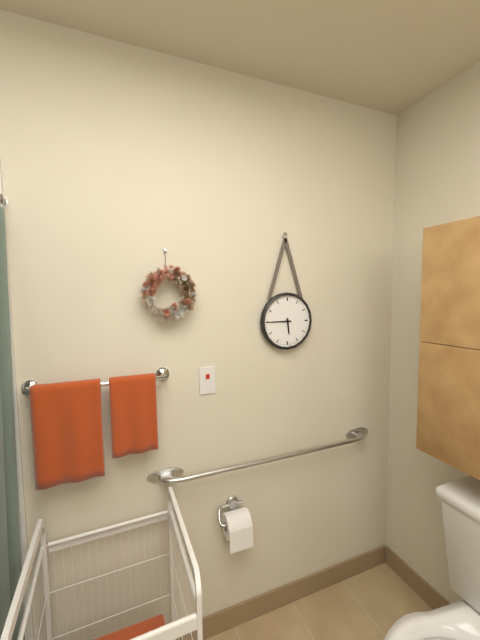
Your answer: **5:45**
